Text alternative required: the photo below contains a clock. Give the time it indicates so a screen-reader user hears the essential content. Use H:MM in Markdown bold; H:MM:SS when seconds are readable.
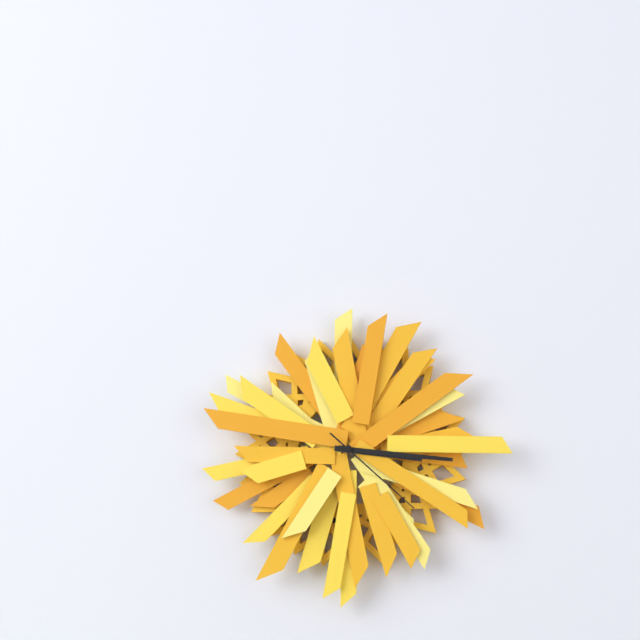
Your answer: **3:16:22**
